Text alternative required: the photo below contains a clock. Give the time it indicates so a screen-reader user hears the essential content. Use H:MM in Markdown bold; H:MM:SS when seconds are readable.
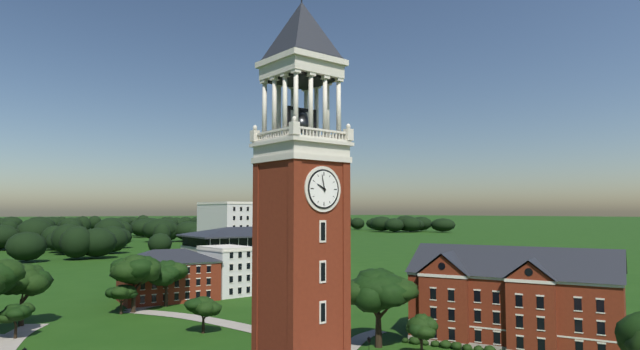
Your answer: **9:58**
